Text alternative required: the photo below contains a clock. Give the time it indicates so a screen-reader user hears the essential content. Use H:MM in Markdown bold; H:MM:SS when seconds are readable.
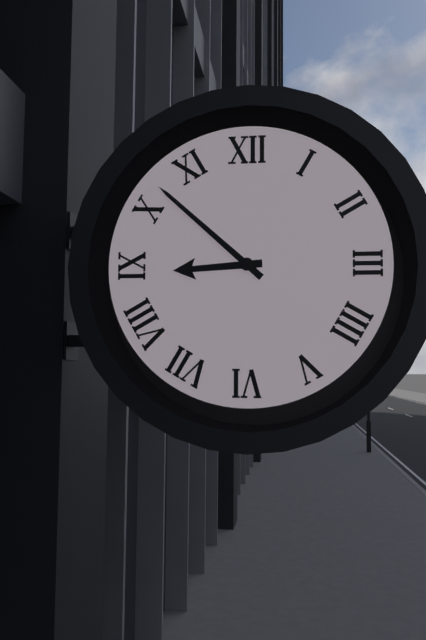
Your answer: **8:52**
